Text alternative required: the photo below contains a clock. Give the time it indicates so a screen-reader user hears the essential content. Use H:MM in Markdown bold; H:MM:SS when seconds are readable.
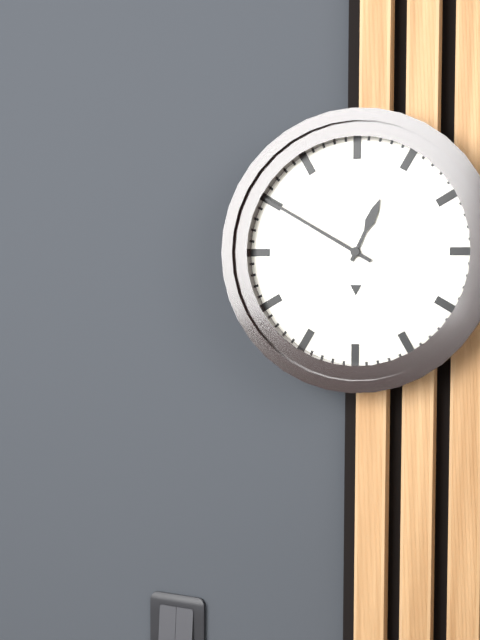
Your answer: **12:50**
